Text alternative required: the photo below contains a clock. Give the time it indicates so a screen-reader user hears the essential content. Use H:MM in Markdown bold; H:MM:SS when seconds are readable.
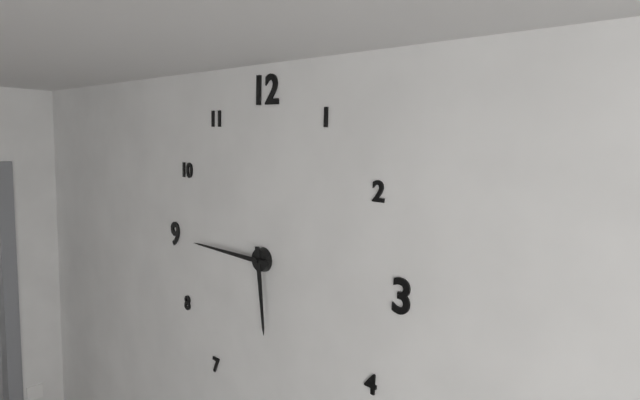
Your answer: **5:45**
